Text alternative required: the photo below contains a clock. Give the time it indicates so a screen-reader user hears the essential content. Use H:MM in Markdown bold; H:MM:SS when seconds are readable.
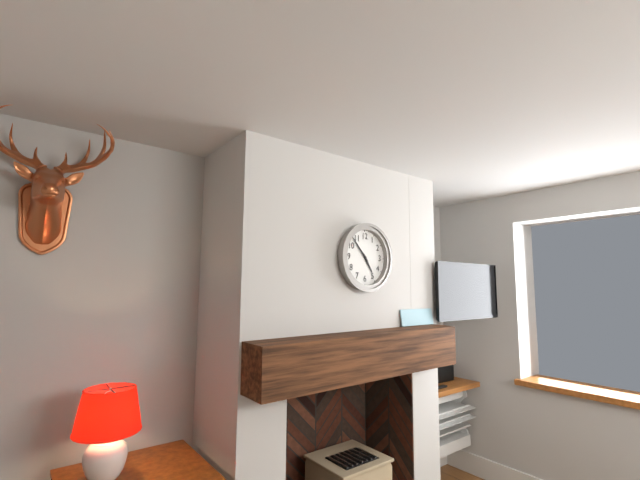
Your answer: **4:53**
